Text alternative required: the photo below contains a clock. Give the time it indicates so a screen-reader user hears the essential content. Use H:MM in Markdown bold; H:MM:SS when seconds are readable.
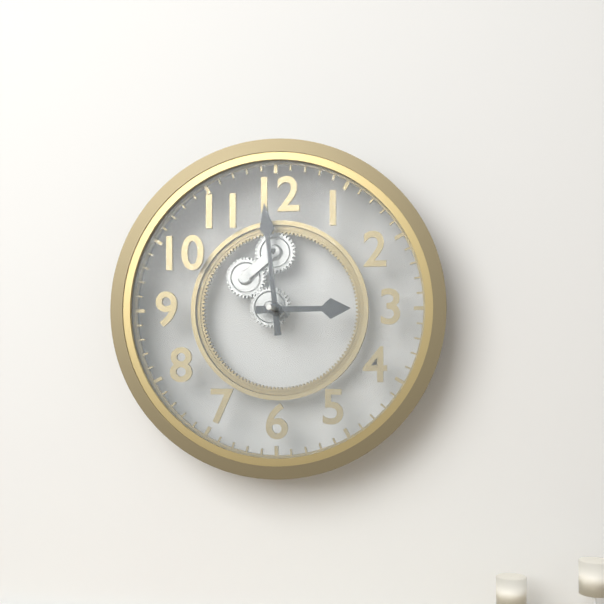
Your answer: **2:59**
